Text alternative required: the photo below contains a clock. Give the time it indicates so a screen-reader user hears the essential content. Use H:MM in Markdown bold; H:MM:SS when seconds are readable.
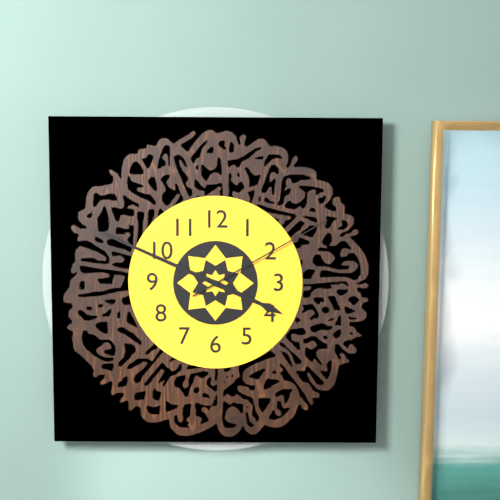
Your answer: **3:49:10**
